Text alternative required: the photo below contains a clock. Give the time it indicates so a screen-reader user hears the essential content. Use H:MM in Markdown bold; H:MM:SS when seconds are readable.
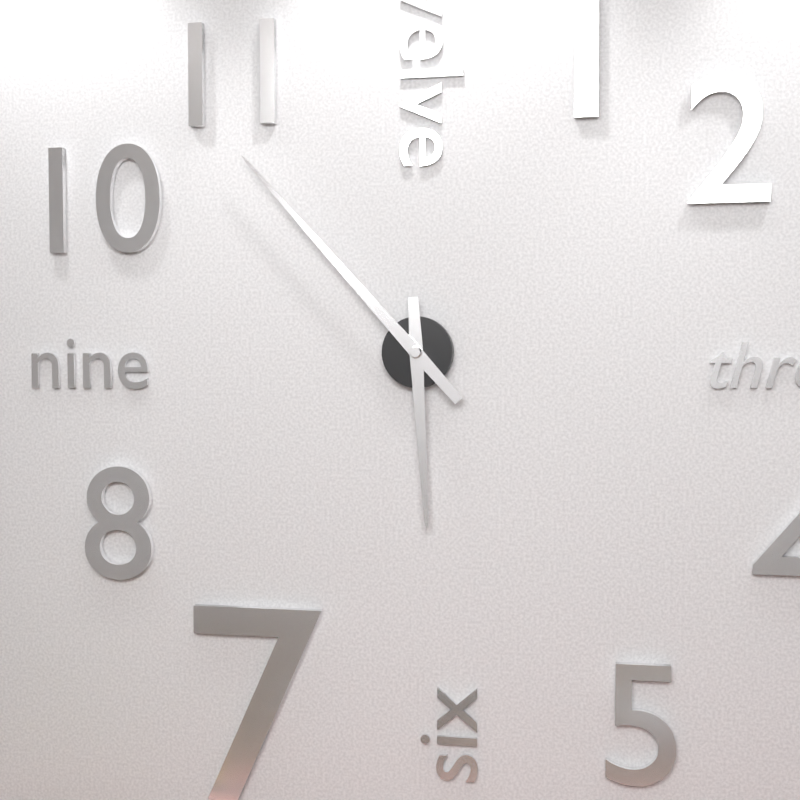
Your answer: **5:53**
